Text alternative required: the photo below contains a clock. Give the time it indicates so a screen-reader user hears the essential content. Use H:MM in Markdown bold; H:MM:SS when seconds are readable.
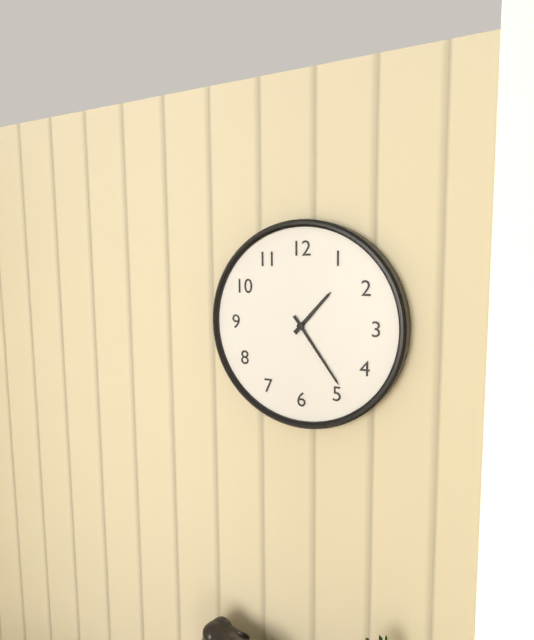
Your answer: **1:24**
